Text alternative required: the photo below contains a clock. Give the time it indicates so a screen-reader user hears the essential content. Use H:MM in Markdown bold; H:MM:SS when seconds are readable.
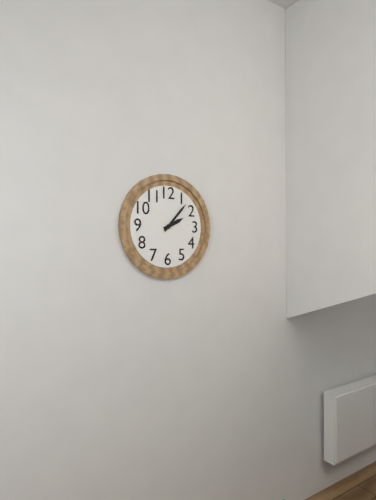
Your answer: **2:07**
